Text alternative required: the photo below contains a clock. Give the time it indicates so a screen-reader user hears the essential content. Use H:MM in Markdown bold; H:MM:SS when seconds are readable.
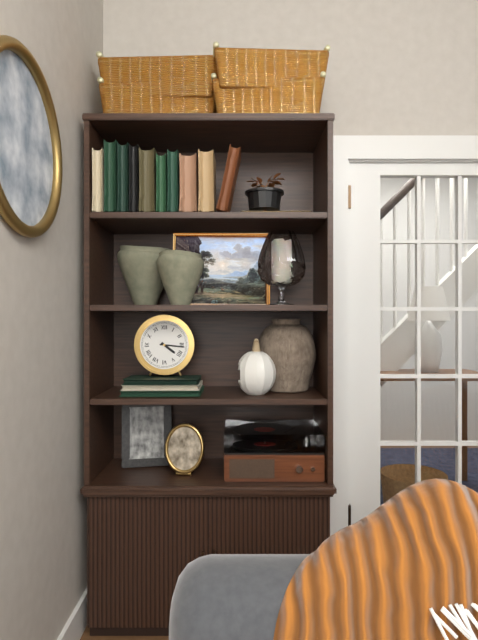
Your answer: **4:16**
